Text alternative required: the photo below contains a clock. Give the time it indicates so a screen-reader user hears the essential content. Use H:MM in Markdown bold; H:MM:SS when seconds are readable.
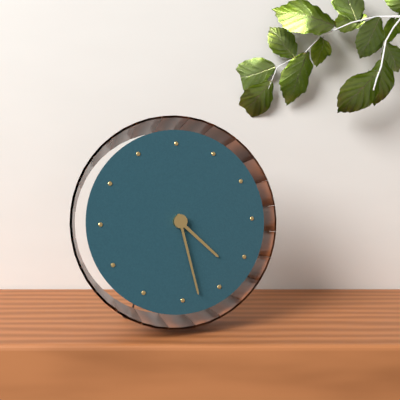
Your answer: **4:28**
